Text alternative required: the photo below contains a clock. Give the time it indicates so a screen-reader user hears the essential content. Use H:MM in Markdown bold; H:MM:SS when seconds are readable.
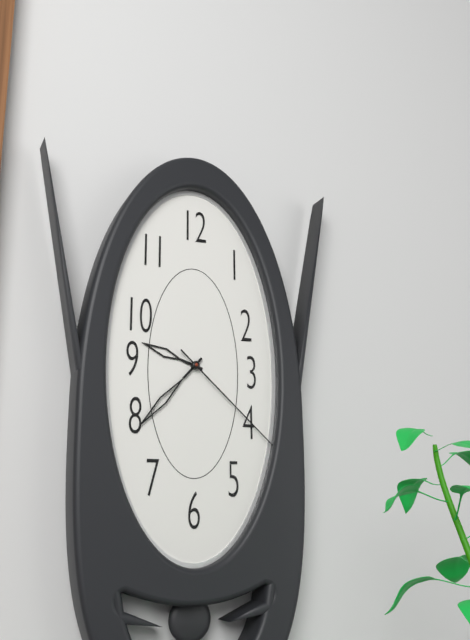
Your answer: **9:37:22**
